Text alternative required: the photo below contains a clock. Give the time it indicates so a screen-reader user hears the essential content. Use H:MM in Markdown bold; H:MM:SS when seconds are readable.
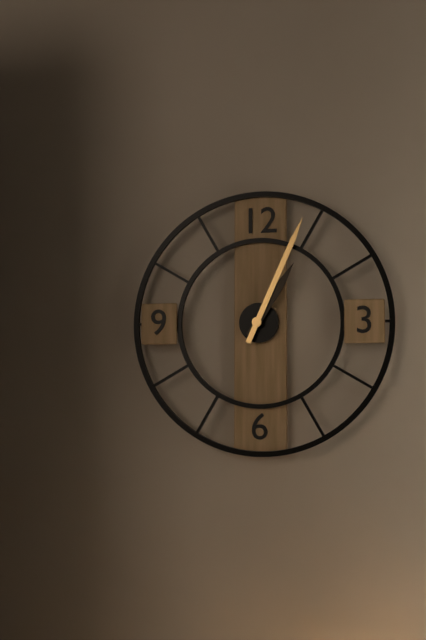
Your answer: **1:04**
